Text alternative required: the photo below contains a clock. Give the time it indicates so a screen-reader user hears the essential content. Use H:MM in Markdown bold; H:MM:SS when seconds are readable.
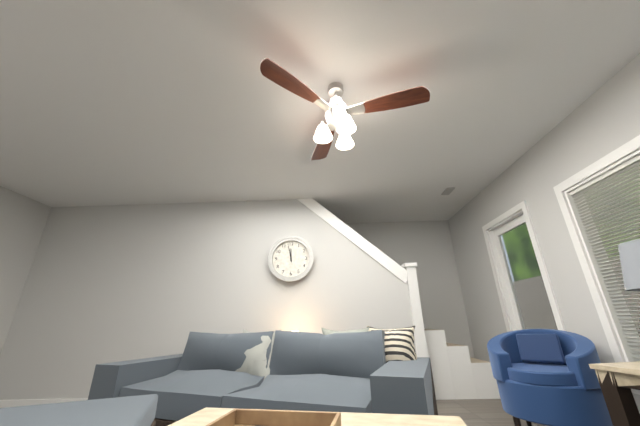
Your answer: **11:58**
